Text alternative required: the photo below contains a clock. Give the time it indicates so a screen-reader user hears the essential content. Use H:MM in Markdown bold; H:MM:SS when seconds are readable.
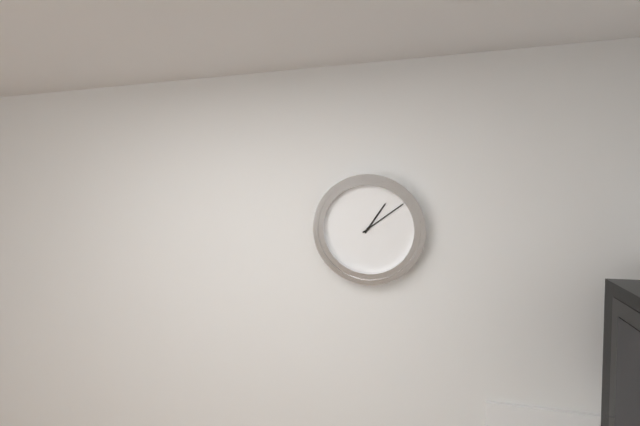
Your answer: **1:09**
